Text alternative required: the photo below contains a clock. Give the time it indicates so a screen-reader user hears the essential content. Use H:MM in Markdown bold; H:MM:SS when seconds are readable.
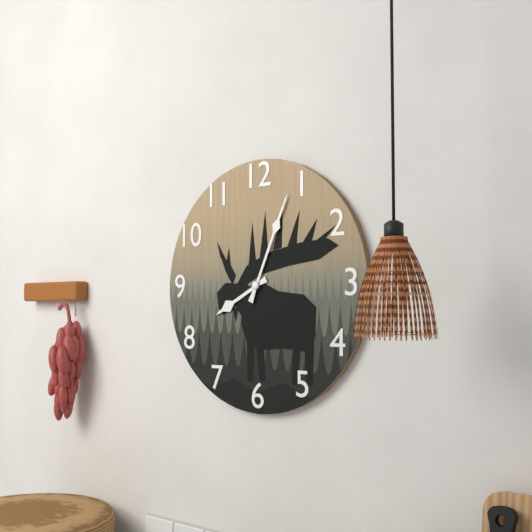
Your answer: **8:04**
